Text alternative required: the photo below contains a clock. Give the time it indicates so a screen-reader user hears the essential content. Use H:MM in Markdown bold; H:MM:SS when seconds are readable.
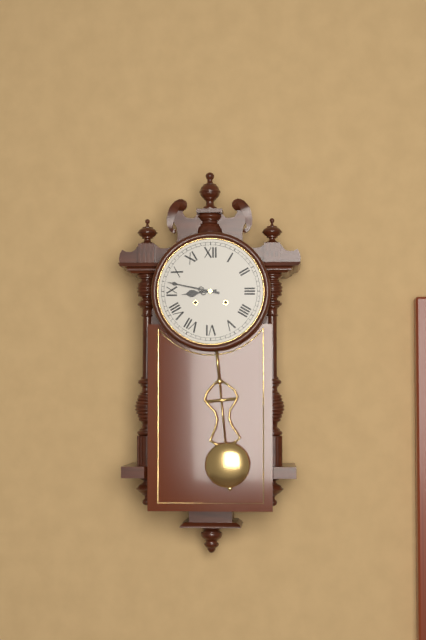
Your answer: **8:47**
